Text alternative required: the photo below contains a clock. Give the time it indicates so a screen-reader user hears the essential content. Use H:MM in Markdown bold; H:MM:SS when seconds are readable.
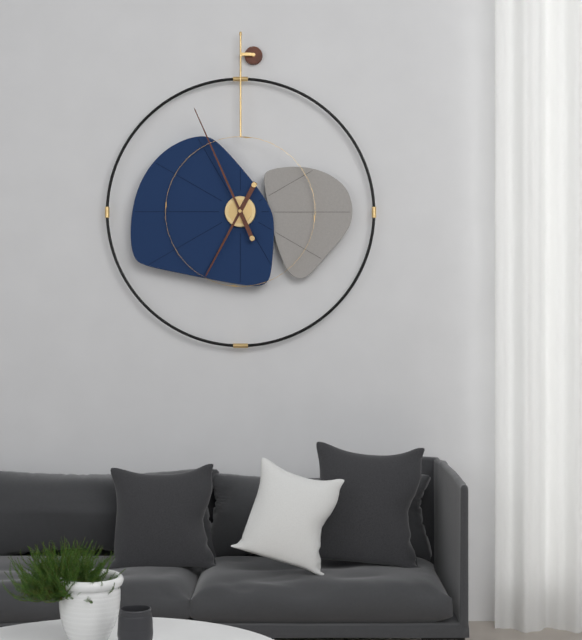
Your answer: **6:56**
